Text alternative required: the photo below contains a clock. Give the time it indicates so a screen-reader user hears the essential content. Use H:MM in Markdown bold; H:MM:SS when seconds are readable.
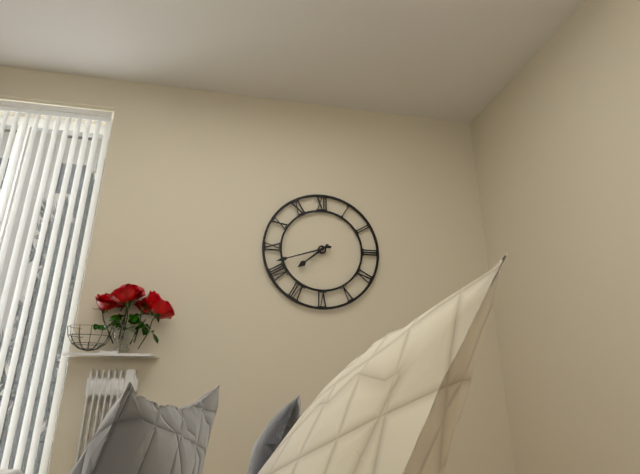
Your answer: **7:42**
